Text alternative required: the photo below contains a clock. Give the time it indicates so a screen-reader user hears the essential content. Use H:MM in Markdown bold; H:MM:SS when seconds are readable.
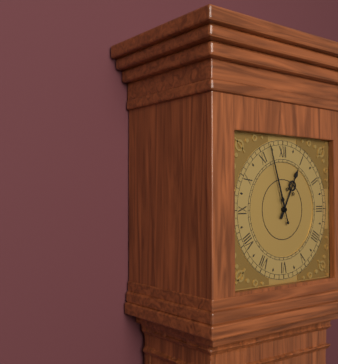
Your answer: **12:57**
